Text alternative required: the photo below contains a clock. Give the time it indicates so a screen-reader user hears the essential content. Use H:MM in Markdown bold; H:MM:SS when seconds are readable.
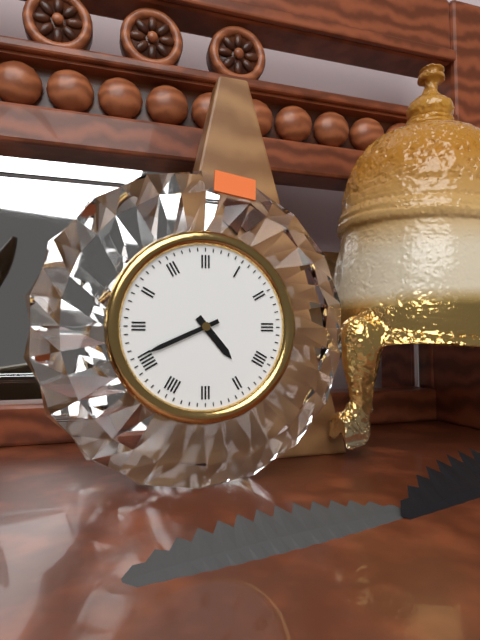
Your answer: **4:41**
